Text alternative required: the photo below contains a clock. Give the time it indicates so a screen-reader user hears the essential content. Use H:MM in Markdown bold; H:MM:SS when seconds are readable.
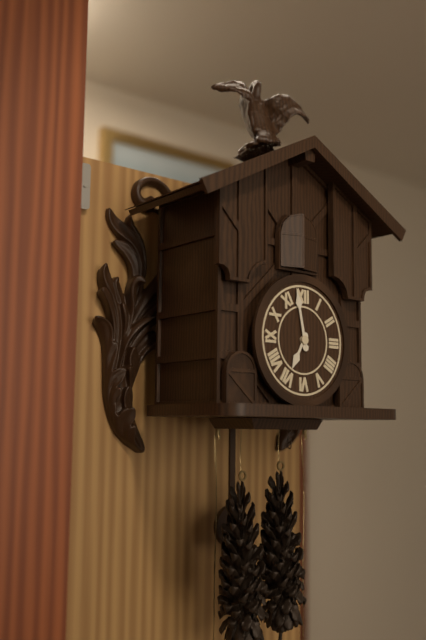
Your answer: **6:58**
